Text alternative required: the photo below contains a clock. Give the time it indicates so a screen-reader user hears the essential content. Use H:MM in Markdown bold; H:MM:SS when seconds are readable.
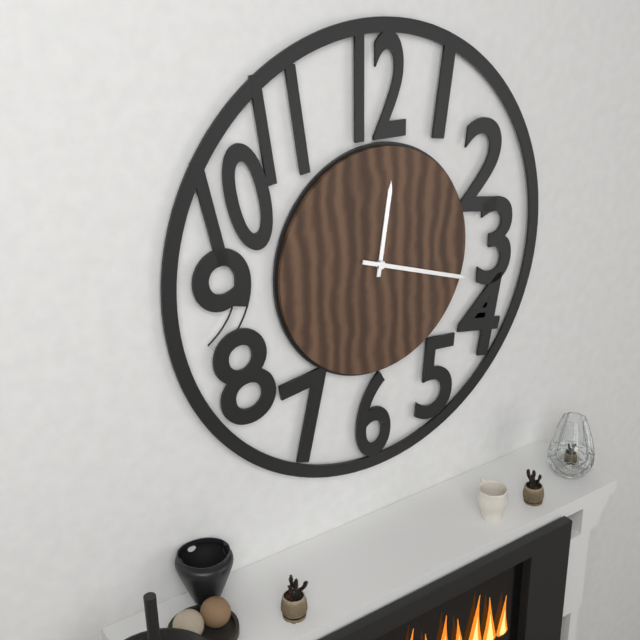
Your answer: **12:18**
